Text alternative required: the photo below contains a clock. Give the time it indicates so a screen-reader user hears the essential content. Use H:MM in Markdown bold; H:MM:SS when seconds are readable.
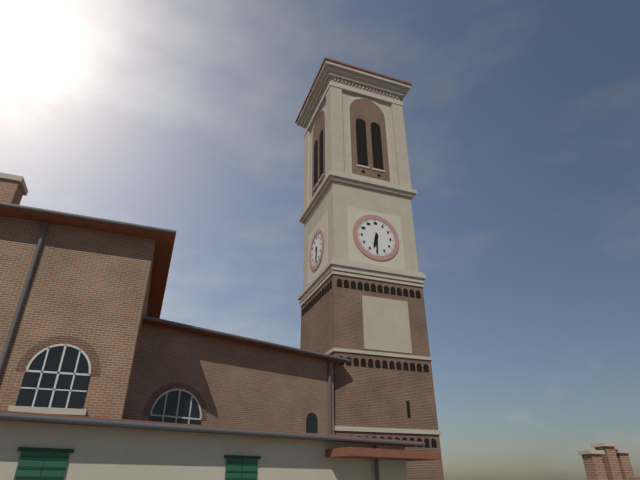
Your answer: **6:30**
